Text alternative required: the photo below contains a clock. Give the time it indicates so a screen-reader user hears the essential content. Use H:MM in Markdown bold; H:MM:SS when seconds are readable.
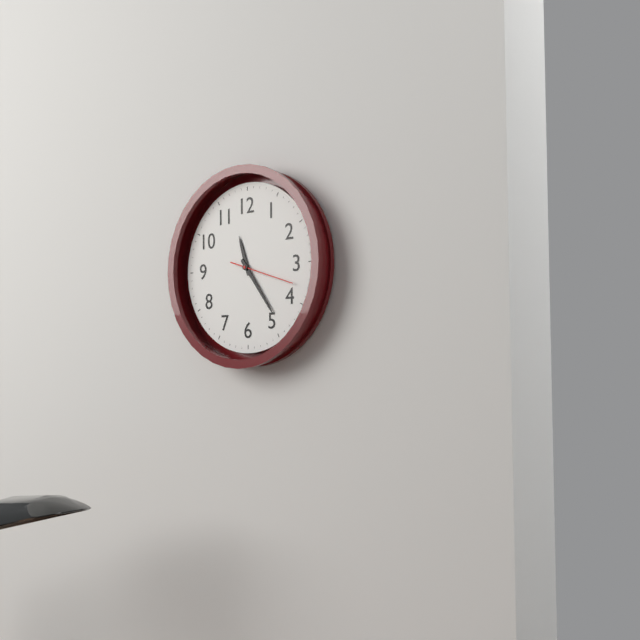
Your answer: **11:24:18**
